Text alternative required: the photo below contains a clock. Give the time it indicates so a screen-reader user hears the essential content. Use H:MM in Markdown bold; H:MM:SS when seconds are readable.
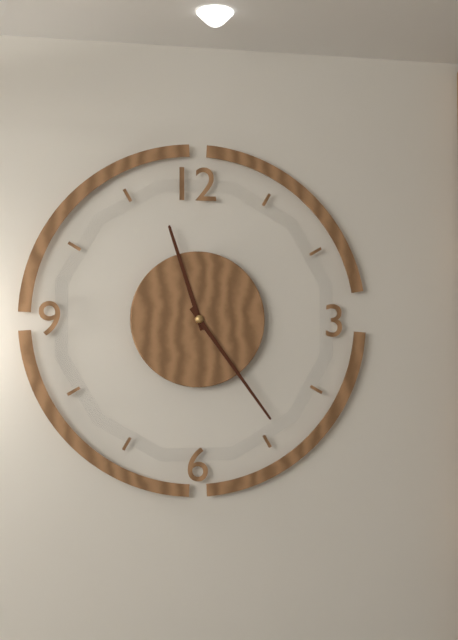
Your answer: **11:24**
